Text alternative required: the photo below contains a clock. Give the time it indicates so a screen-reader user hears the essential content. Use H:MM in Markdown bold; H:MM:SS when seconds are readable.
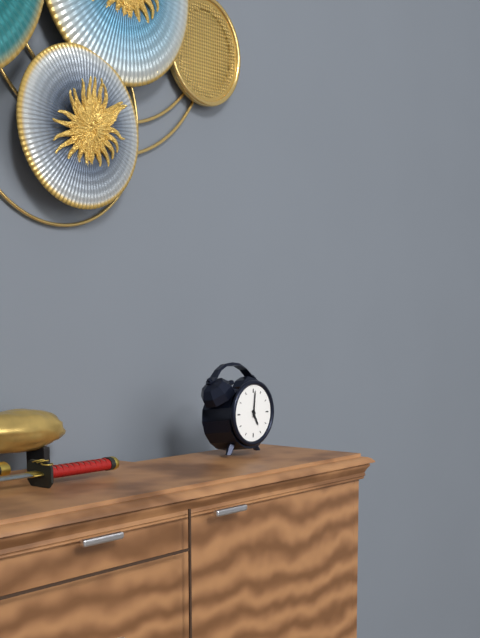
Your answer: **5:01**
